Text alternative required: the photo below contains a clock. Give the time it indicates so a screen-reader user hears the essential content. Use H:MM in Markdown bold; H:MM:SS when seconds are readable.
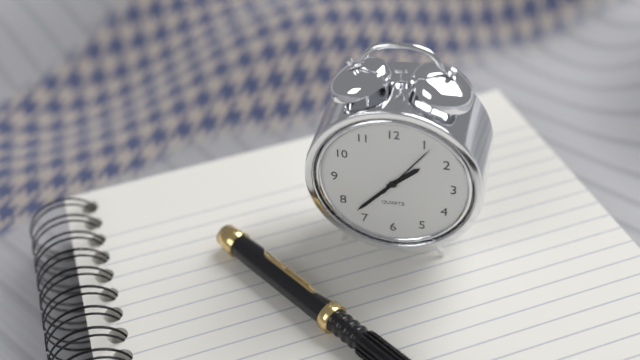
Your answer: **1:37:06**
